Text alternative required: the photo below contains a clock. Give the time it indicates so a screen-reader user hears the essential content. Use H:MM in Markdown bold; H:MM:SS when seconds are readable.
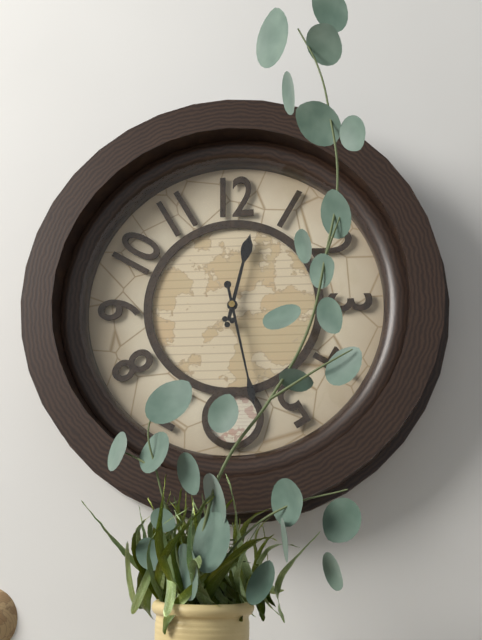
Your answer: **12:28**
